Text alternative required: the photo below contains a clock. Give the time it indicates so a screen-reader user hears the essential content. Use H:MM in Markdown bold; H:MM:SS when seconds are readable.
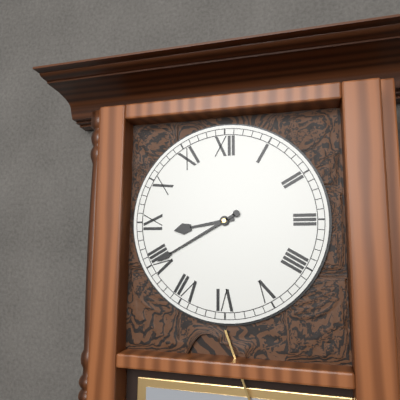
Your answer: **8:40**
